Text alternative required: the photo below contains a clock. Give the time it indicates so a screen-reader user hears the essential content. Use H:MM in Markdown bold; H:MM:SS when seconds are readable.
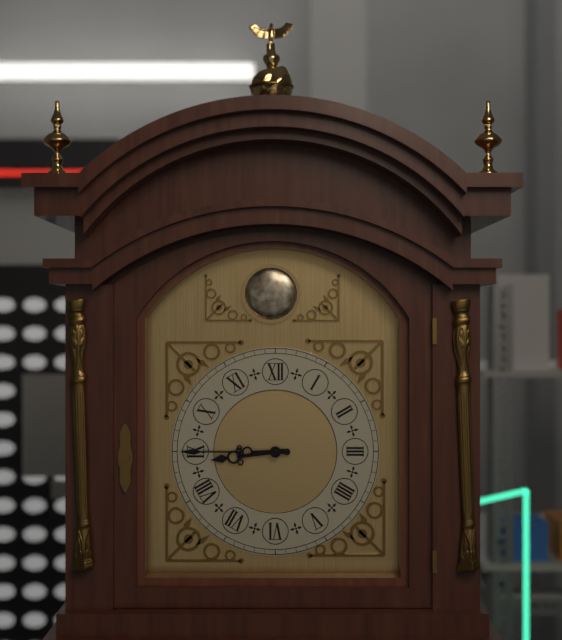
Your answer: **8:45**
